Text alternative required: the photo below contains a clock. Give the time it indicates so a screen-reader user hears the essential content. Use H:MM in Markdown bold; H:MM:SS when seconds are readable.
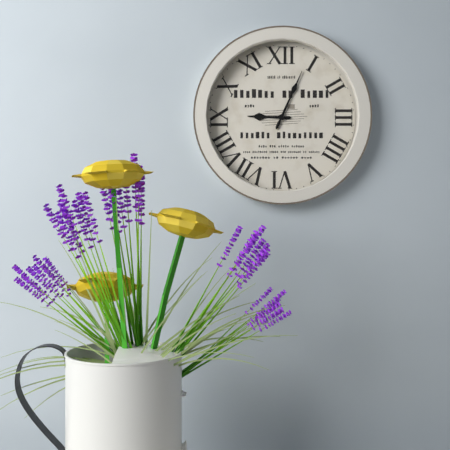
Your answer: **9:04**
